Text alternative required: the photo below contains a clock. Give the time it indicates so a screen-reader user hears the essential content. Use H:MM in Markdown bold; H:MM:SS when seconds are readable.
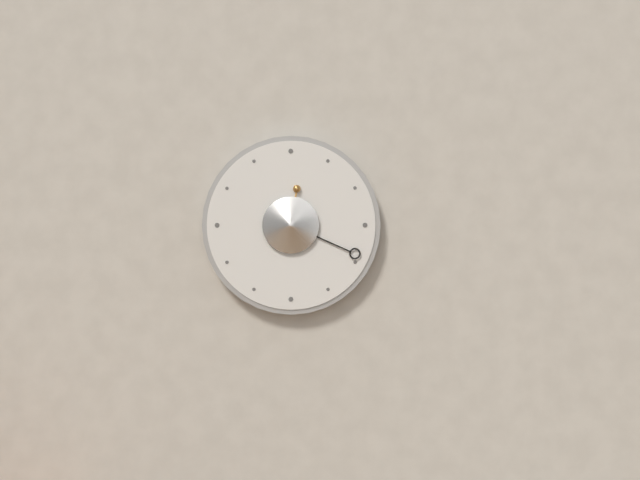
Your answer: **12:19**
